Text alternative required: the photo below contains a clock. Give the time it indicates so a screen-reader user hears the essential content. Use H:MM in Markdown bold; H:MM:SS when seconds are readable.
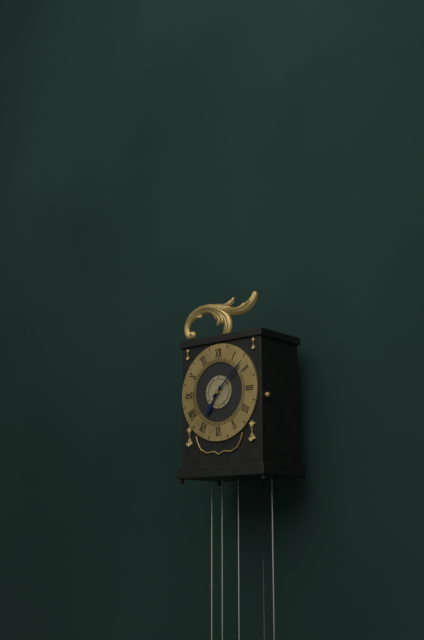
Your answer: **7:08**
